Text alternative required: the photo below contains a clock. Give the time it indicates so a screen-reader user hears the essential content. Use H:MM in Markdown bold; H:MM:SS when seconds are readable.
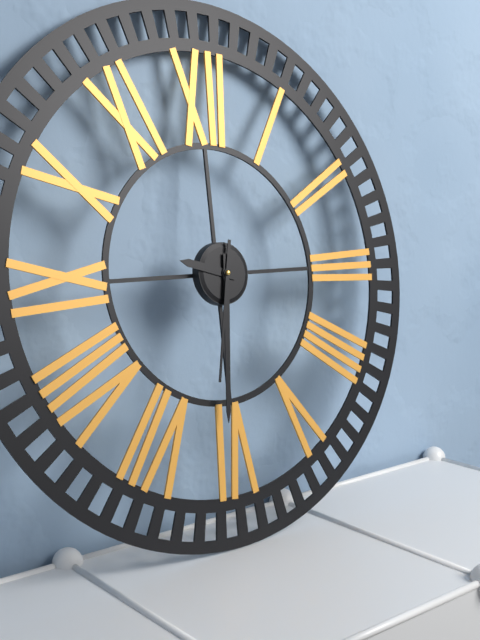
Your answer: **9:31:32**
